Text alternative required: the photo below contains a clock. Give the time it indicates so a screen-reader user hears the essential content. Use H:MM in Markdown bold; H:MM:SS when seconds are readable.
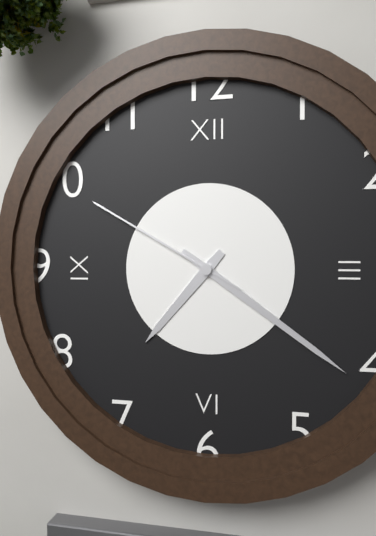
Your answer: **7:21:50**
